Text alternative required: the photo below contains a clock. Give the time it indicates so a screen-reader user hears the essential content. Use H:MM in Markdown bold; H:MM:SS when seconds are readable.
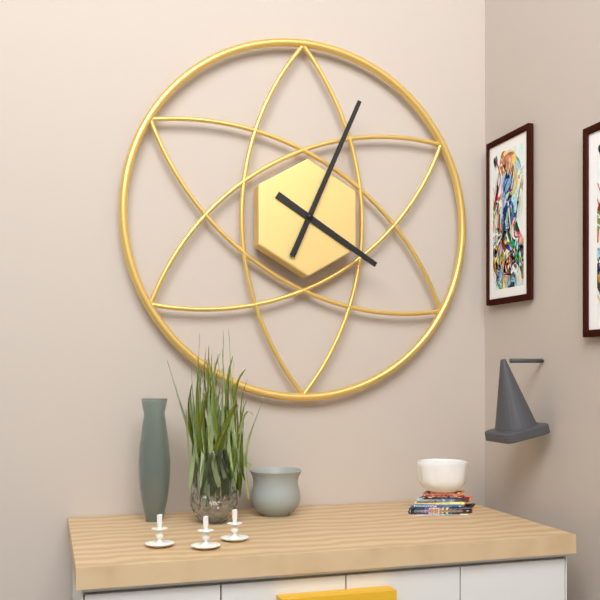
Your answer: **4:04**
